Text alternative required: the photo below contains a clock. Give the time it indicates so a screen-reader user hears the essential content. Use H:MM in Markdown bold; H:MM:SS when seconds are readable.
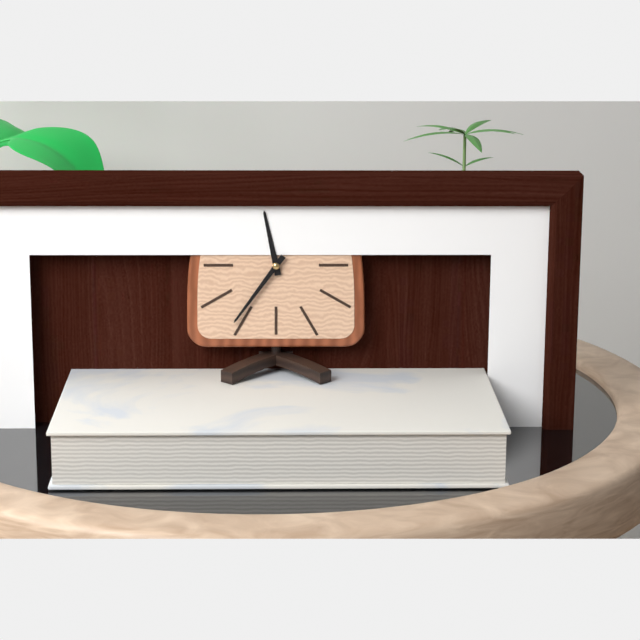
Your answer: **11:36**
